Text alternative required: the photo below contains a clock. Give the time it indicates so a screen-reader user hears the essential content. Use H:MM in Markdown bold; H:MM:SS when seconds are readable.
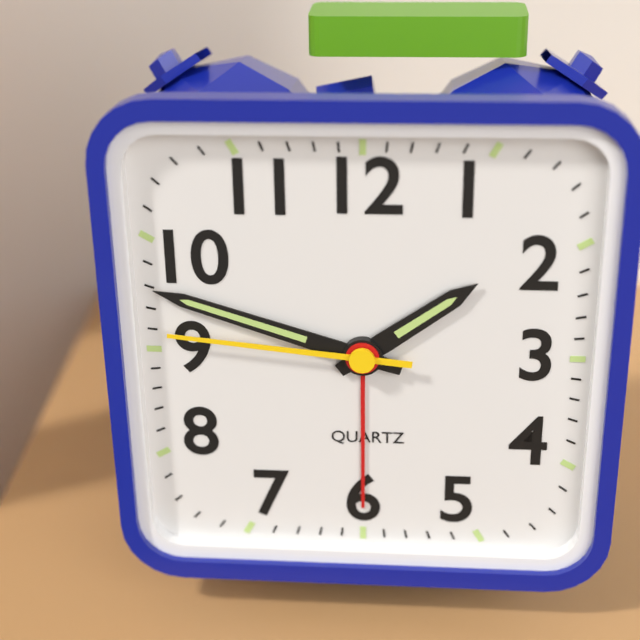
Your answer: **1:48:46**
